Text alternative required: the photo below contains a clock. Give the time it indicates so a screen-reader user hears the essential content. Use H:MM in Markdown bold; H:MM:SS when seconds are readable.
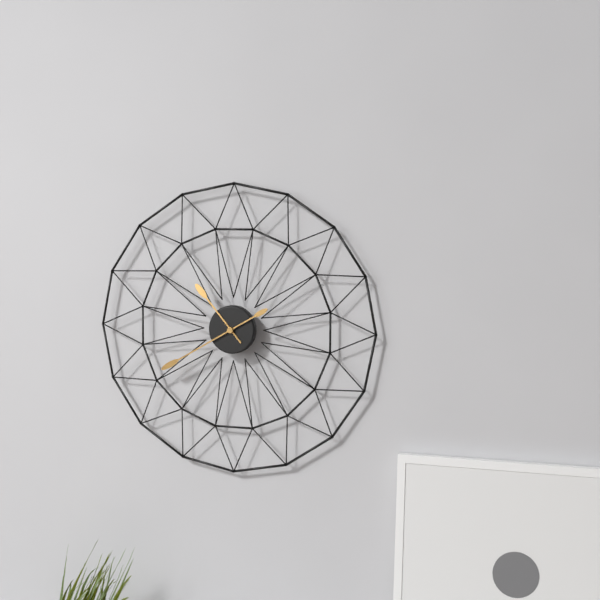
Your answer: **10:40**
